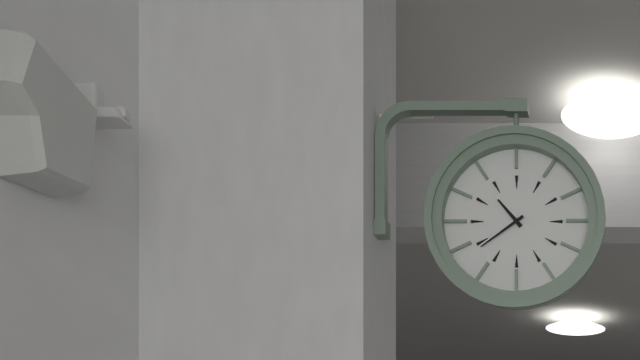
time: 10:39
